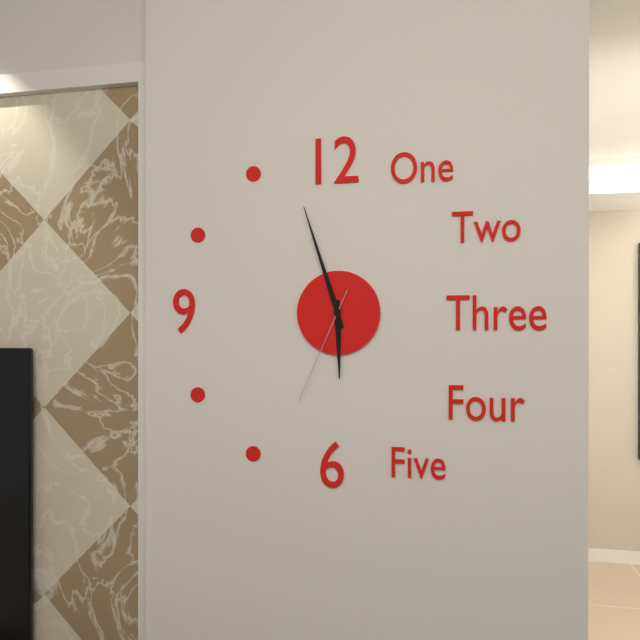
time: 5:57:34
